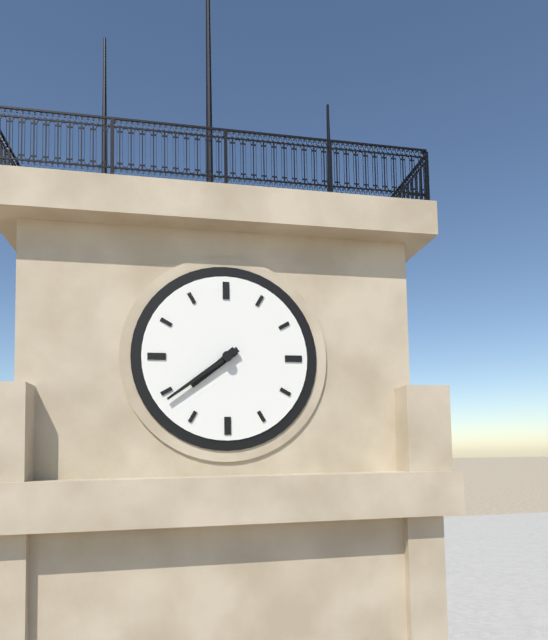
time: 7:39
